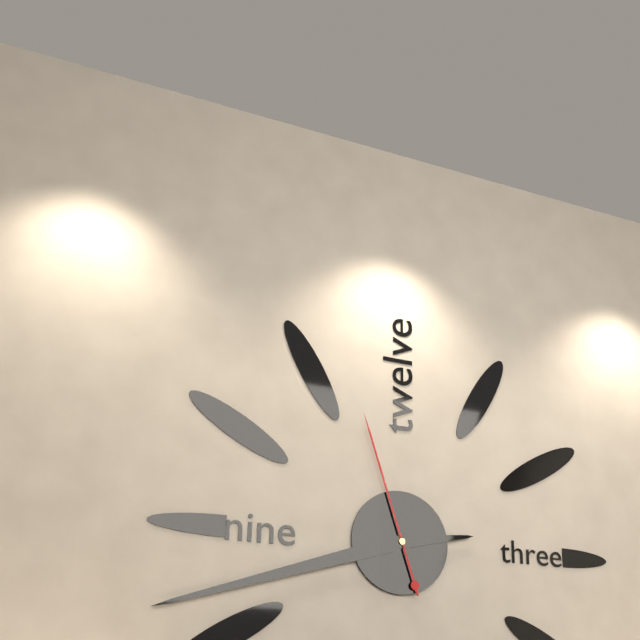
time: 2:42:57
